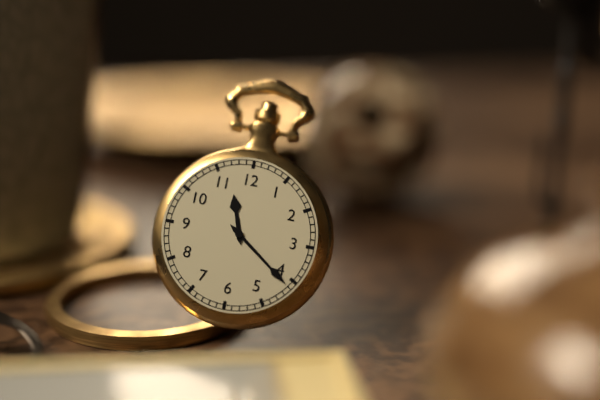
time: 11:21
